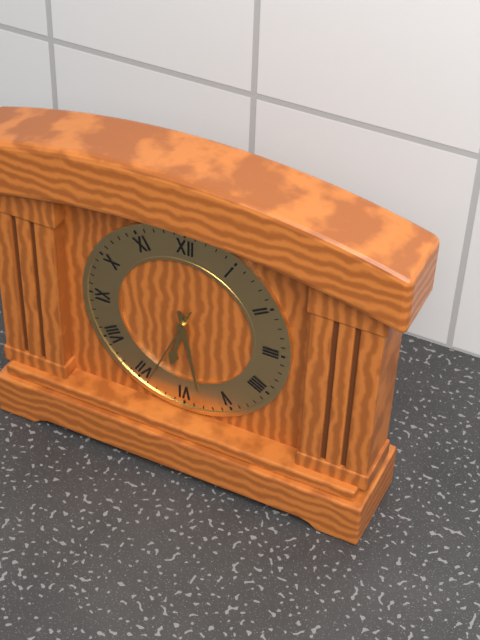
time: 6:28:34
